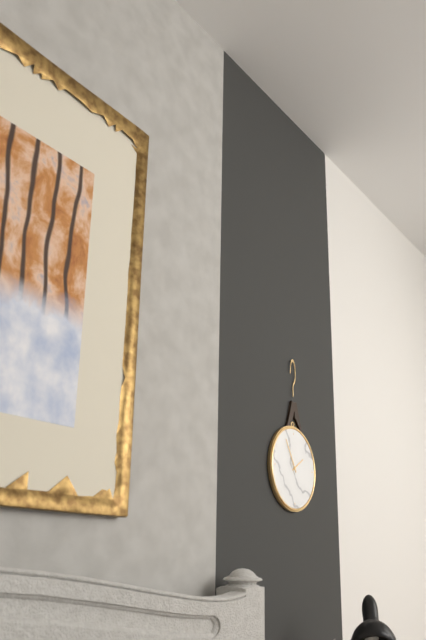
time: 1:55
